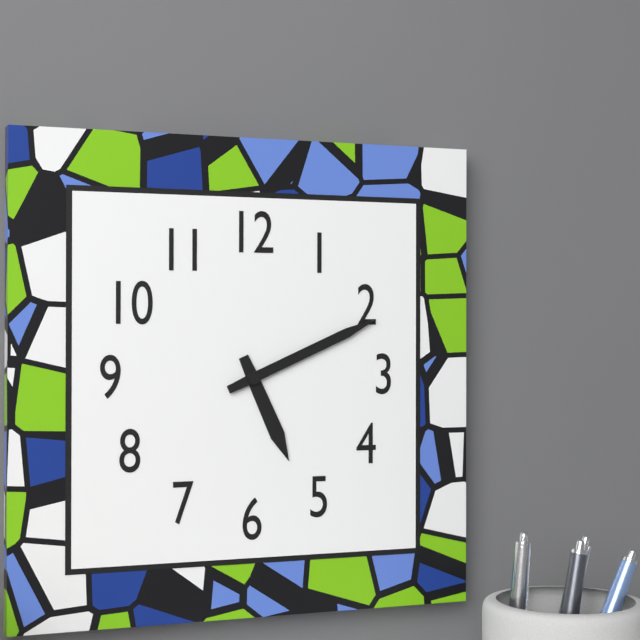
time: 5:11
